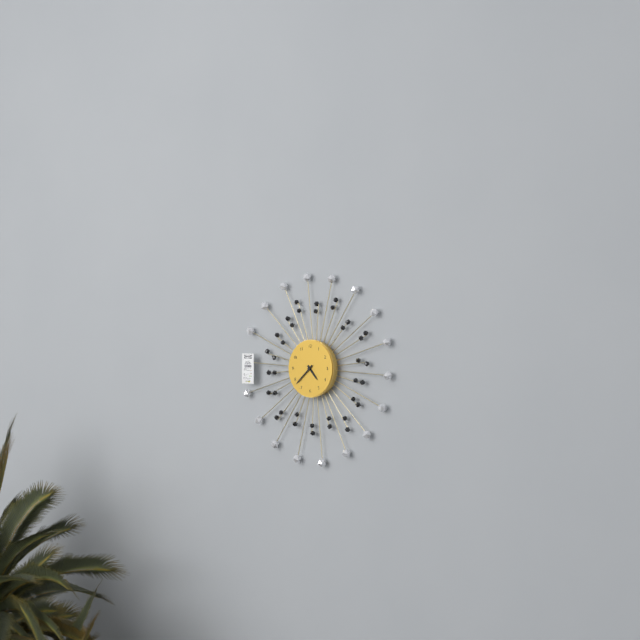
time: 4:38
